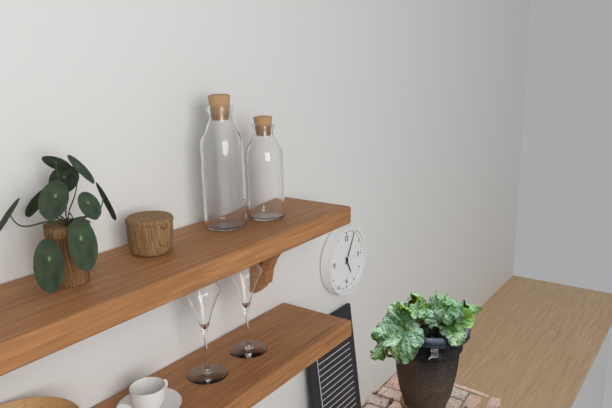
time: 5:05
